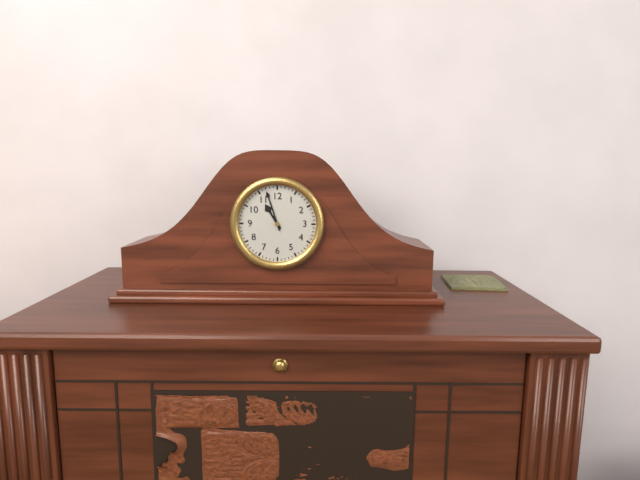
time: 10:57
